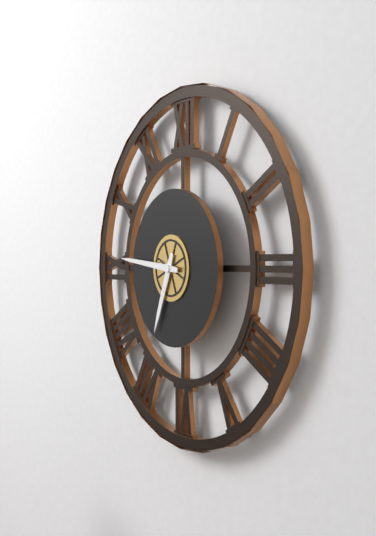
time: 6:46
